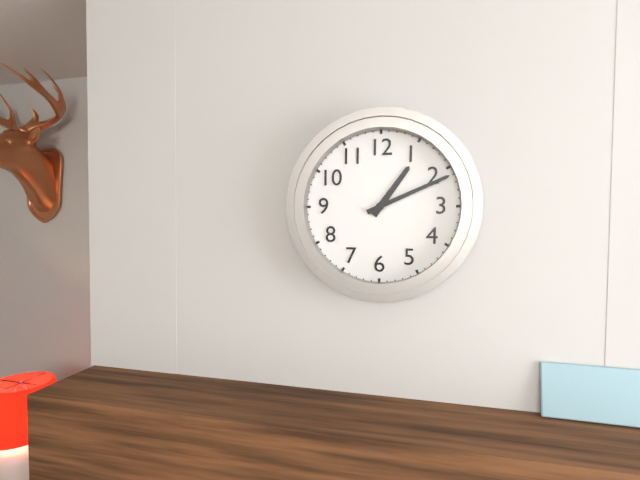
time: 1:11
